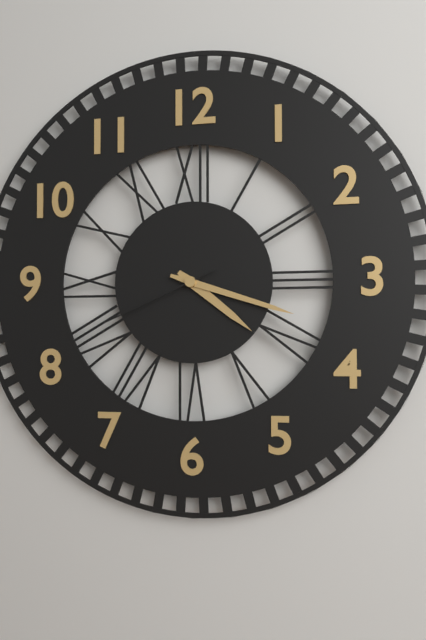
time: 4:18:41
